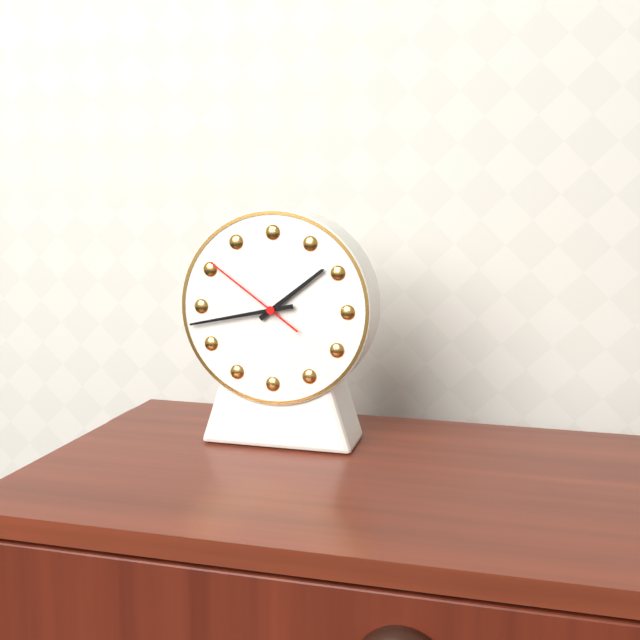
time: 1:43:51
